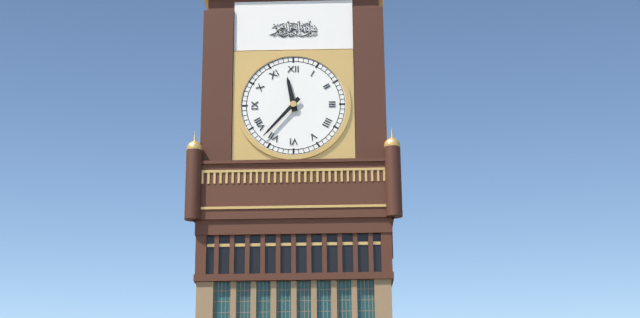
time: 11:37
